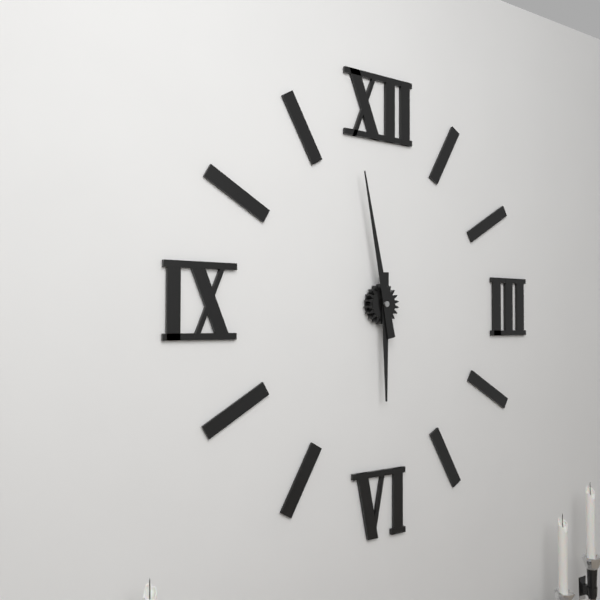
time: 5:58
